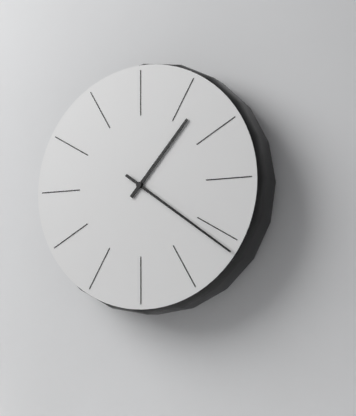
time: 1:21
